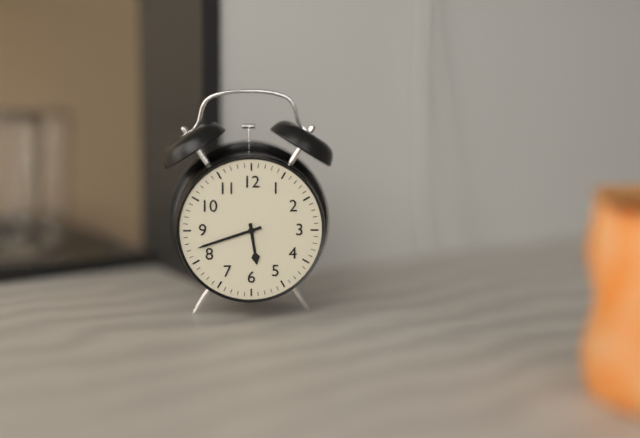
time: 5:42
